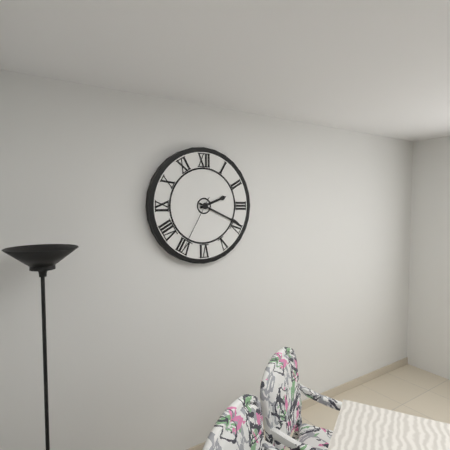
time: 2:19:35
